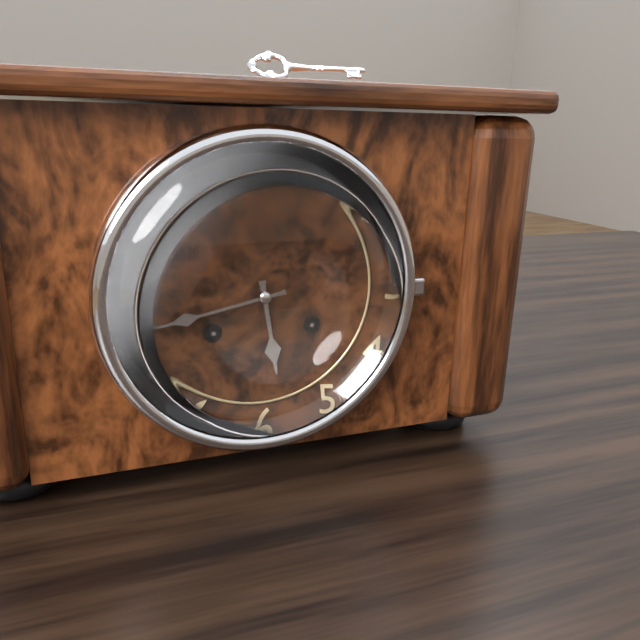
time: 5:43
